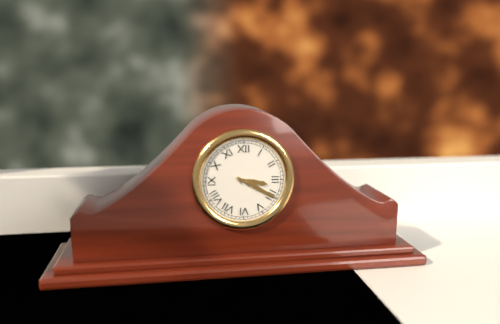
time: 3:20
